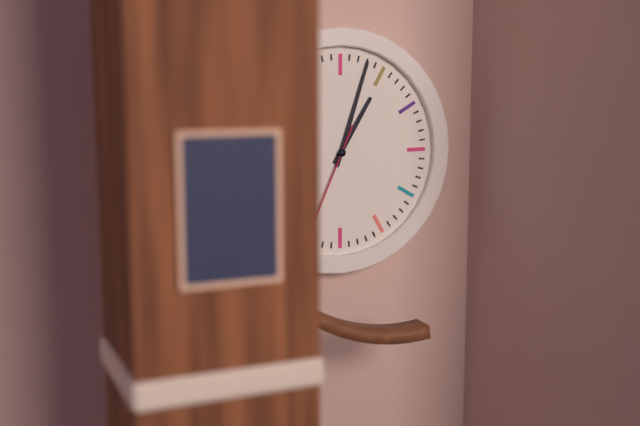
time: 1:03:34
